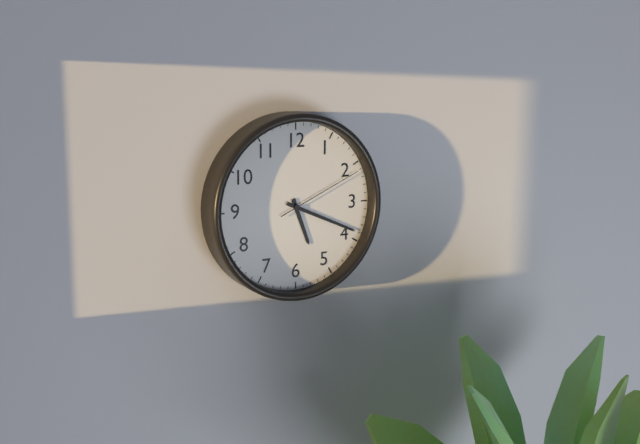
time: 5:19:11
